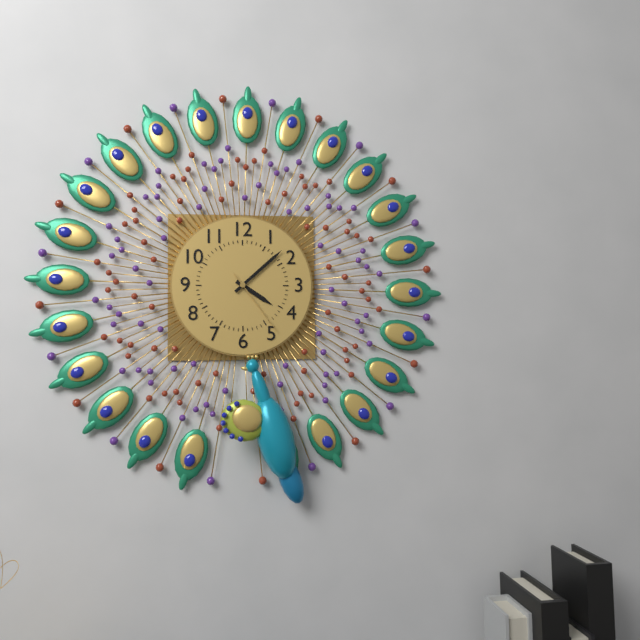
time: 4:08:24
